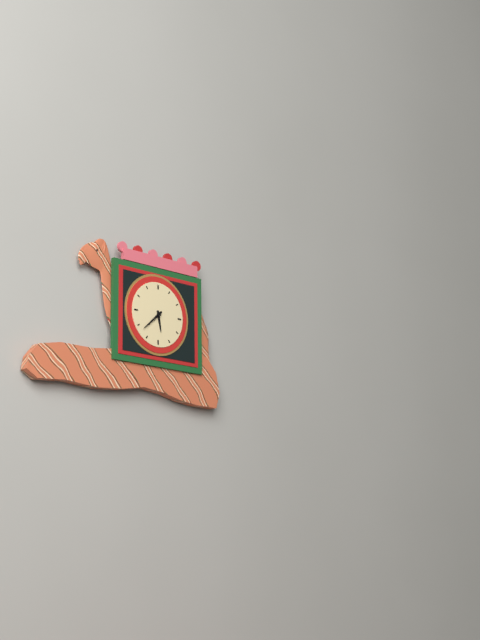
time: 5:38
